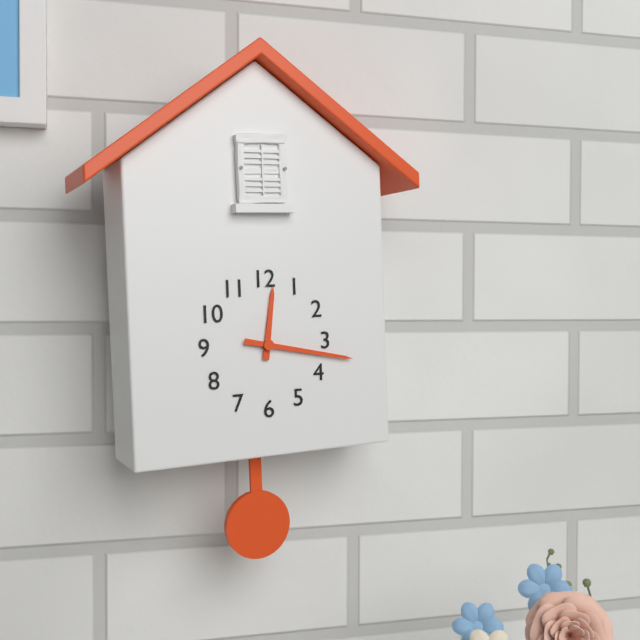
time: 12:17
